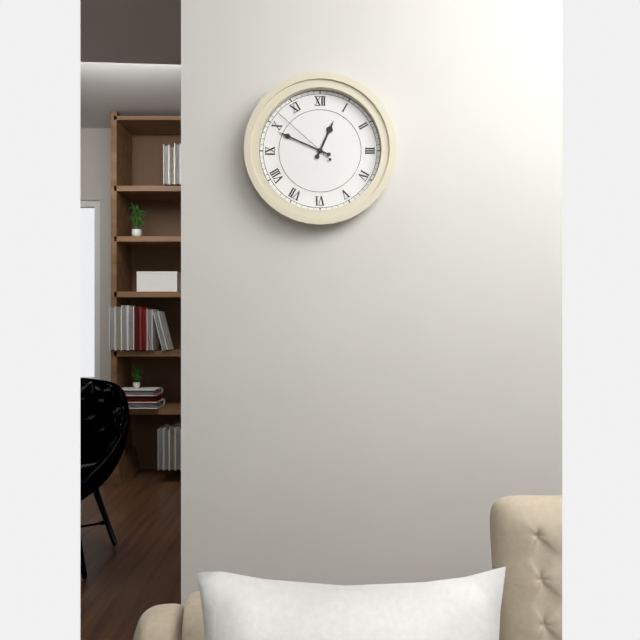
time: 12:49:52
